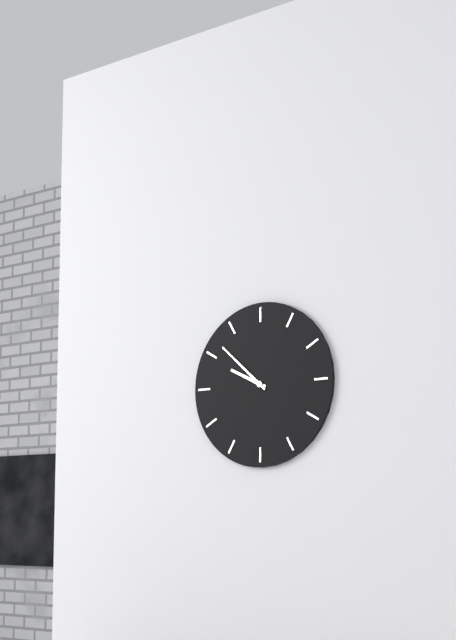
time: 9:52
